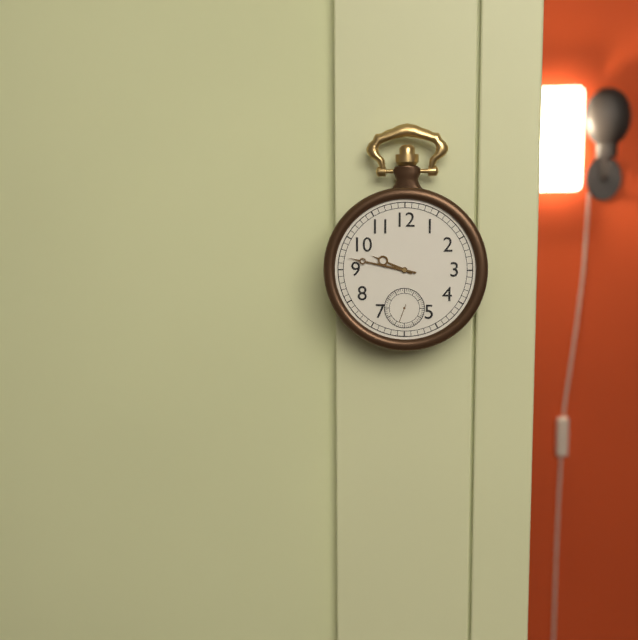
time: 9:47
